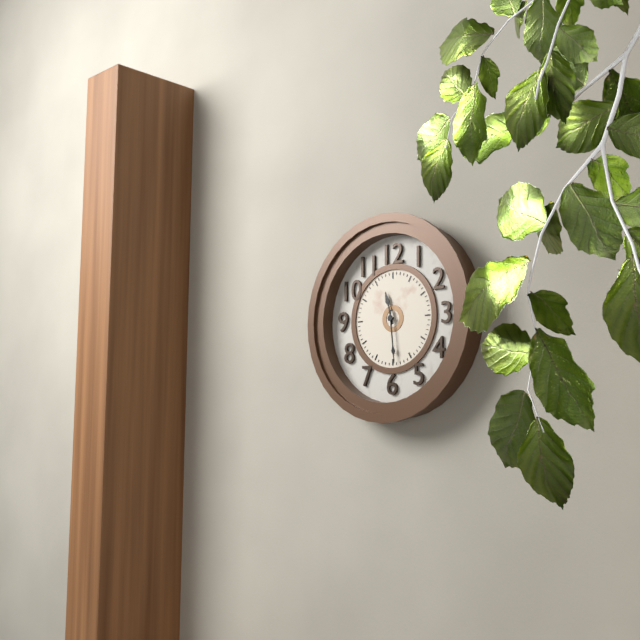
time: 11:29
